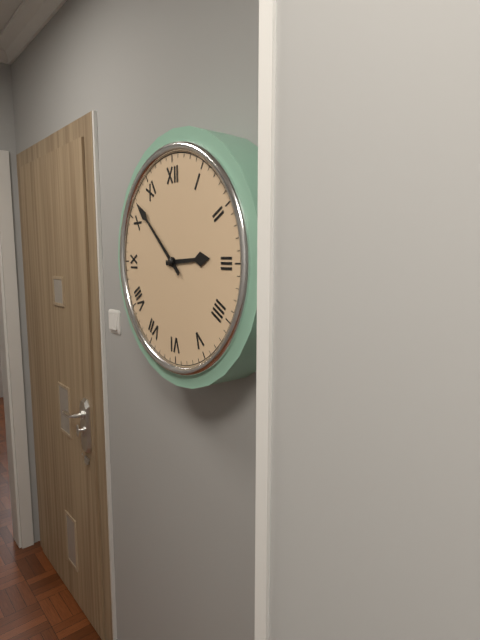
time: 2:52
